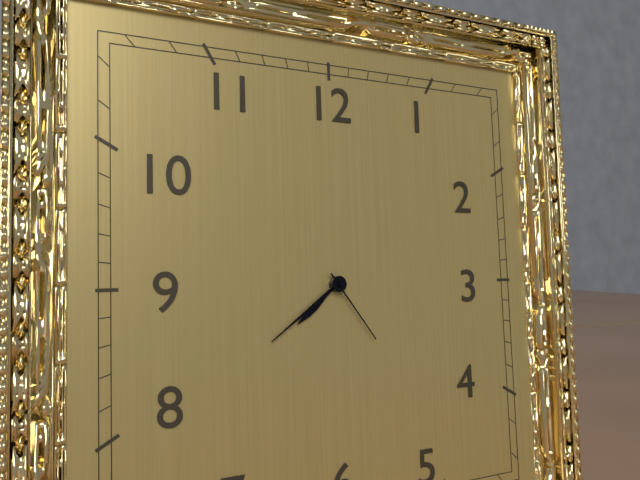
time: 7:39:24
